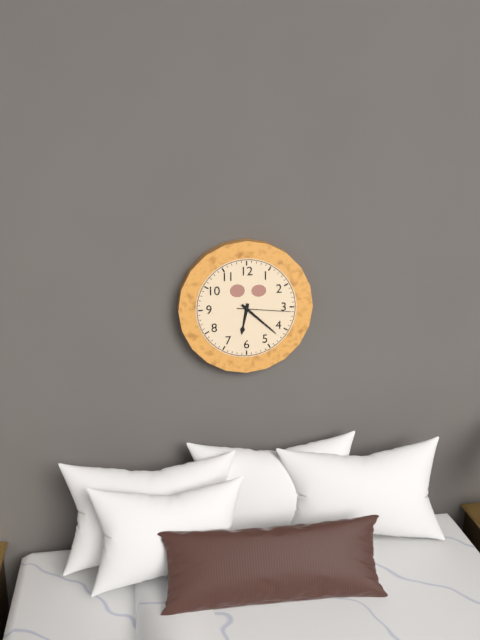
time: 6:22:16
